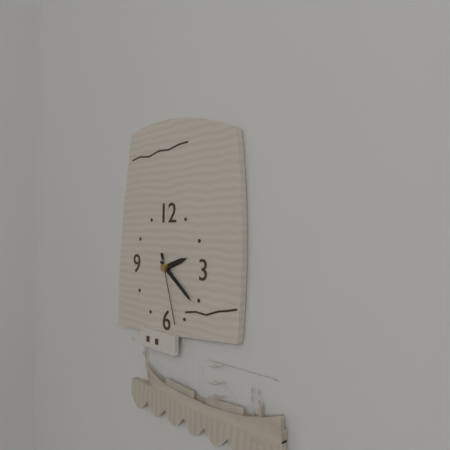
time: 2:21:27
